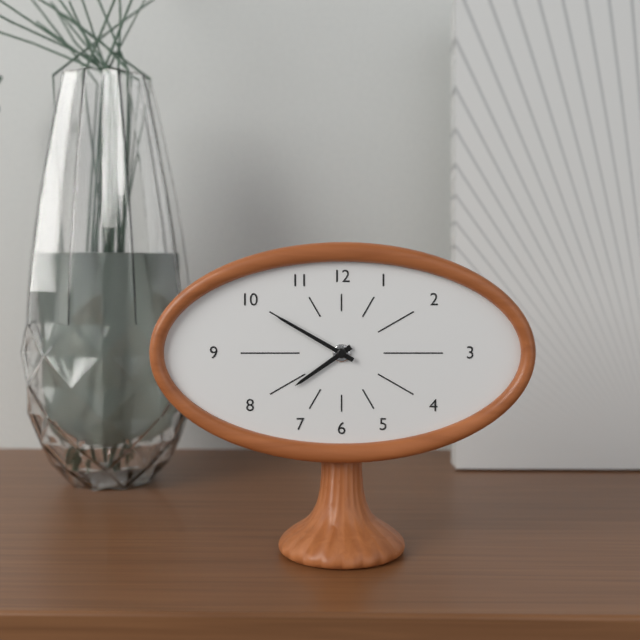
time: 7:50
